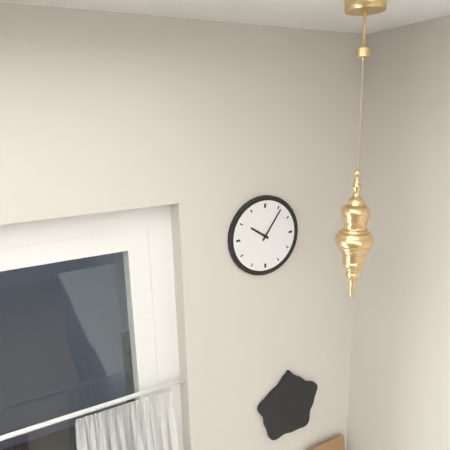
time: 10:06
